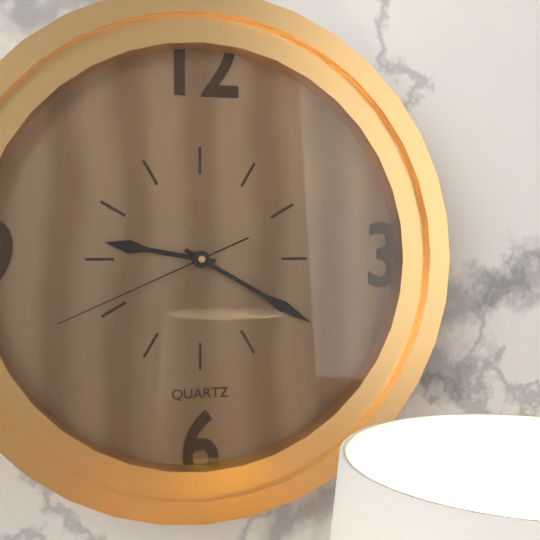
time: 9:20:41
